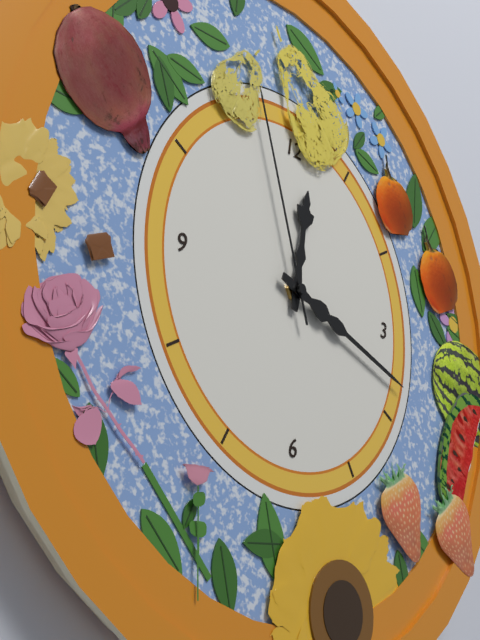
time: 12:18:57
